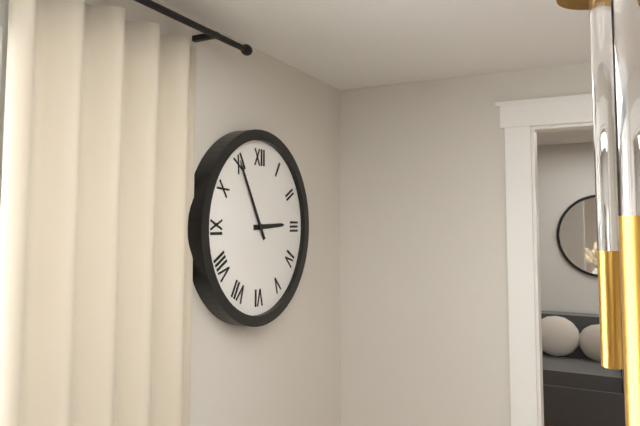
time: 2:55
